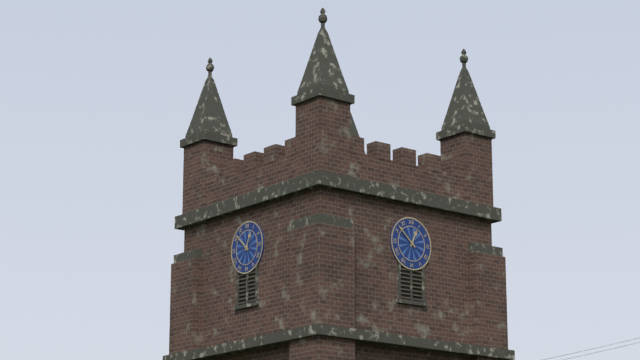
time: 12:52
